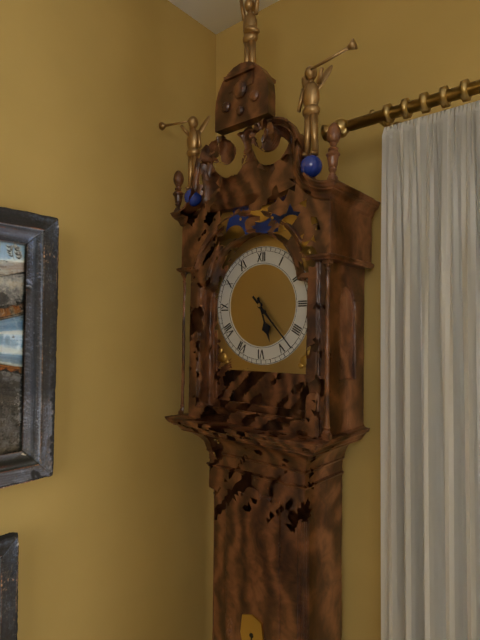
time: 5:23
